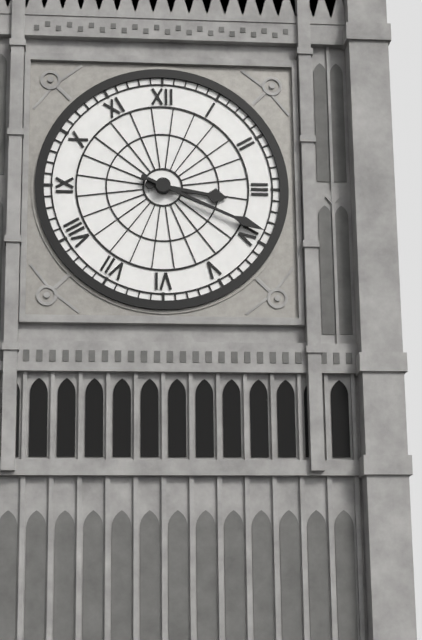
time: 3:19
